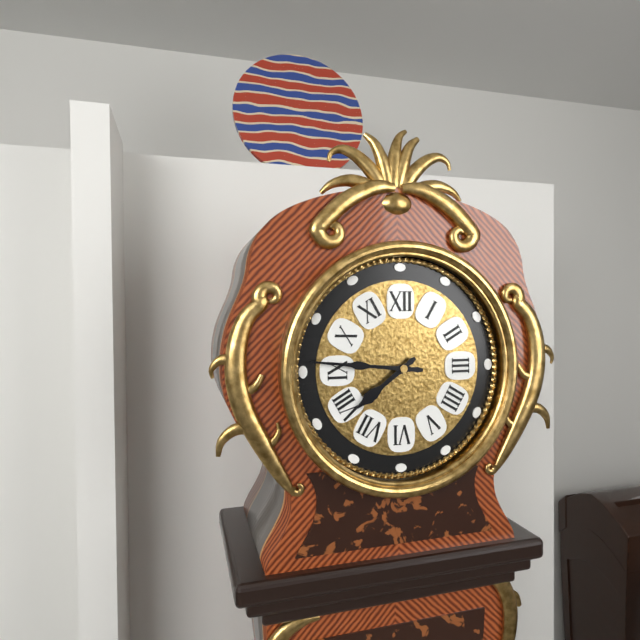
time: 7:46
